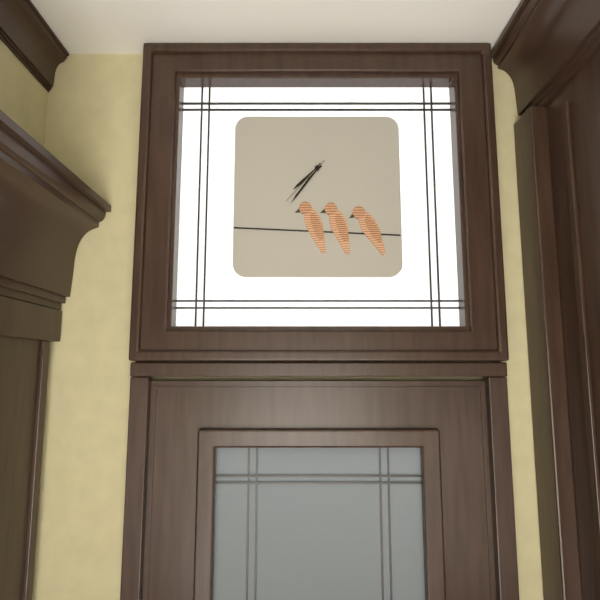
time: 7:36:37
